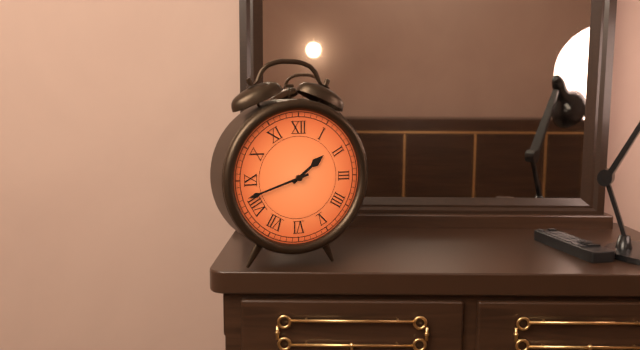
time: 1:42
